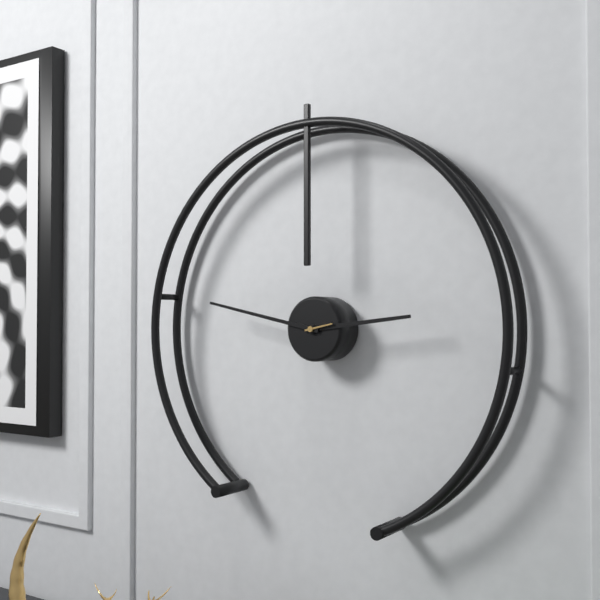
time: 2:47
